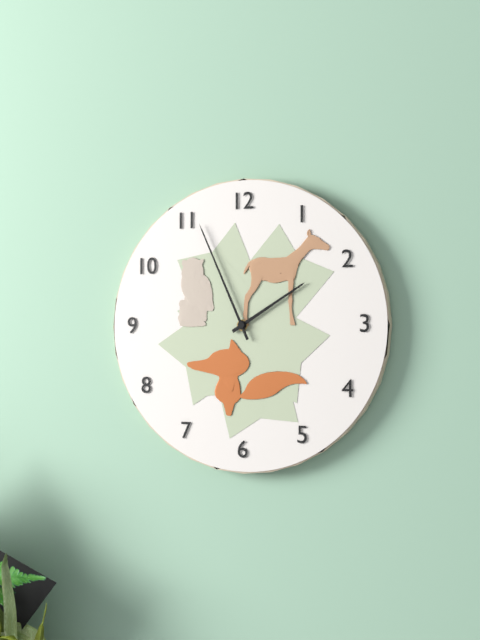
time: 1:56
